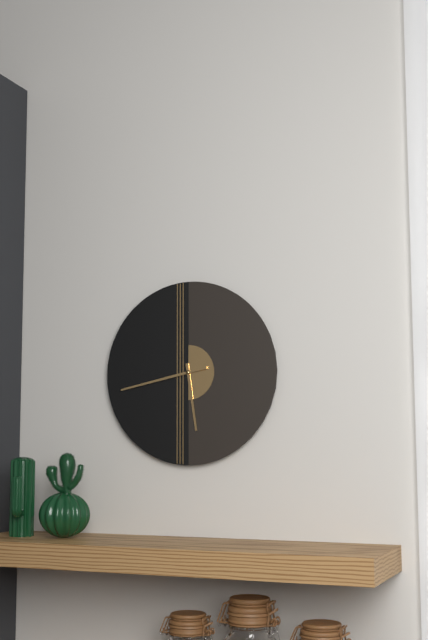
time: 5:43
